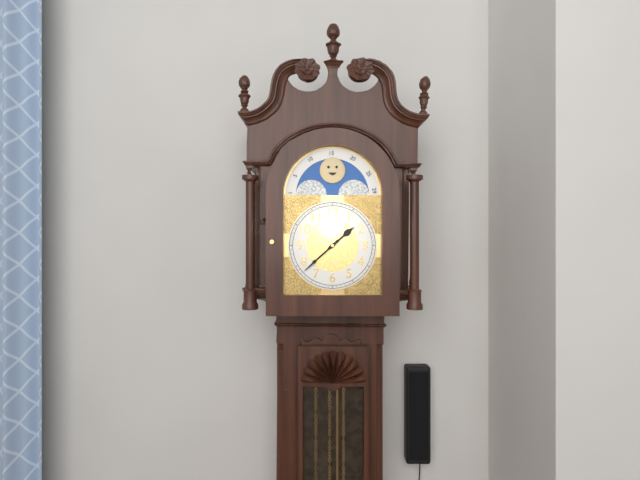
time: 1:38
